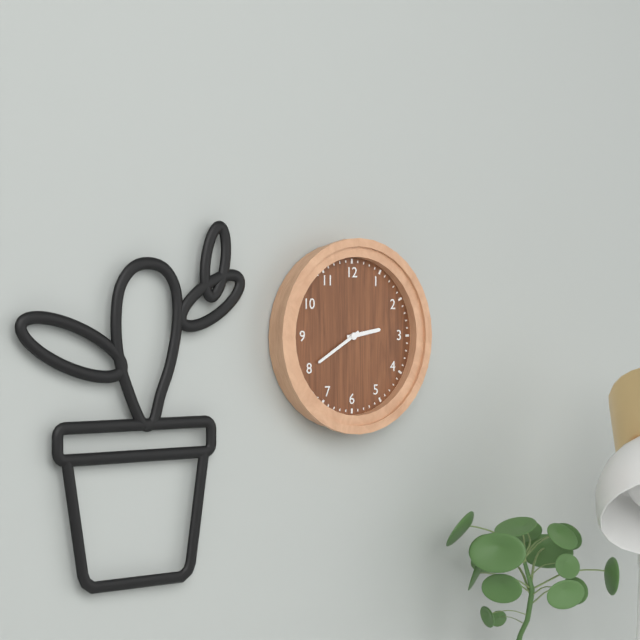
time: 2:40
